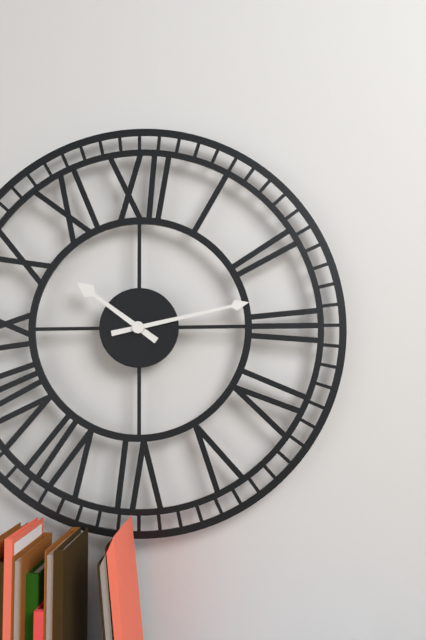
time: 10:13
